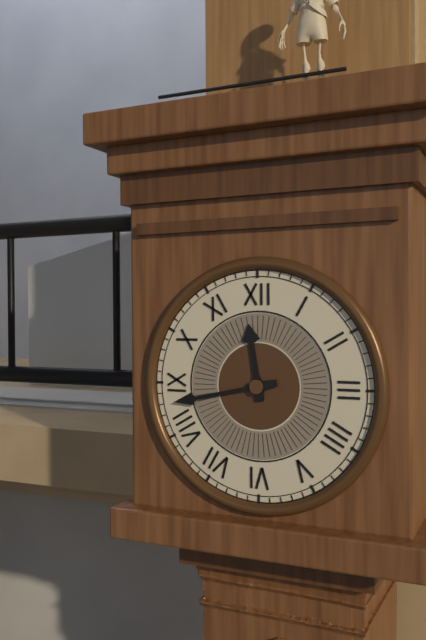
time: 11:43
